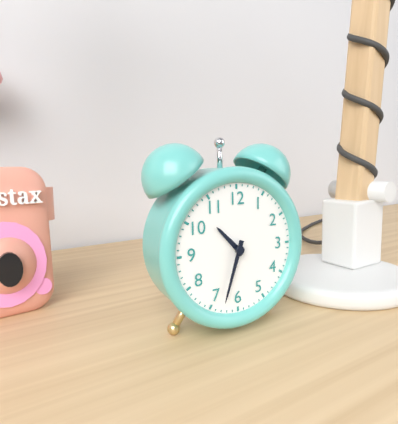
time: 10:33
